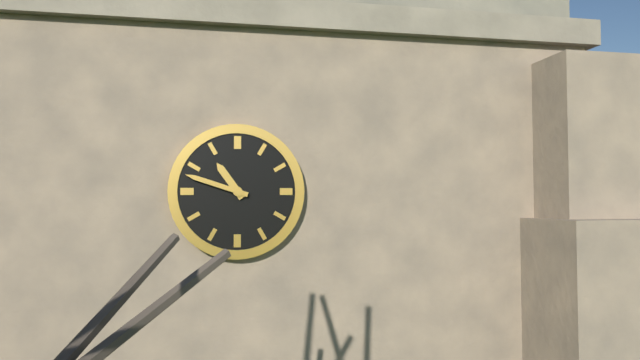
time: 10:48
